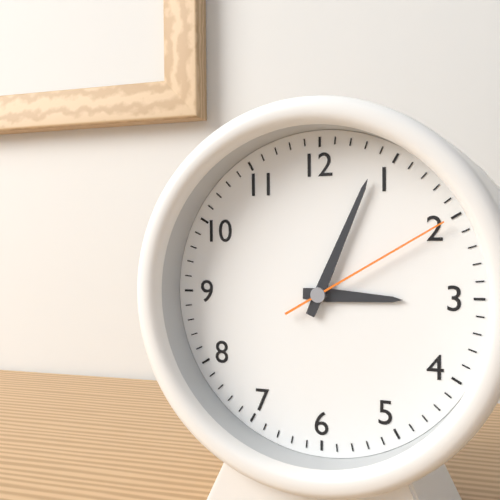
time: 3:04:10
